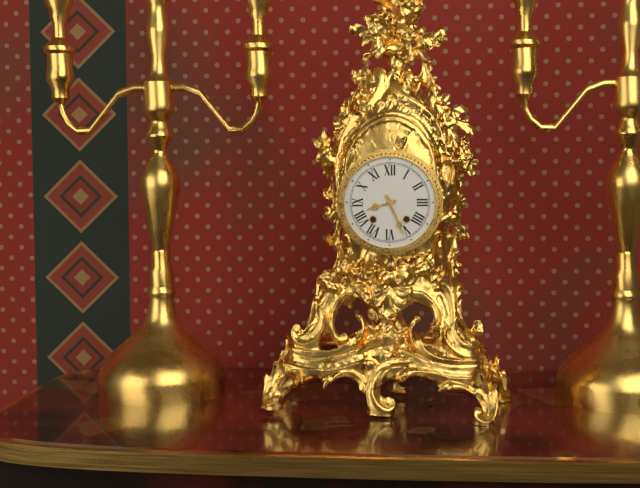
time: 8:26
